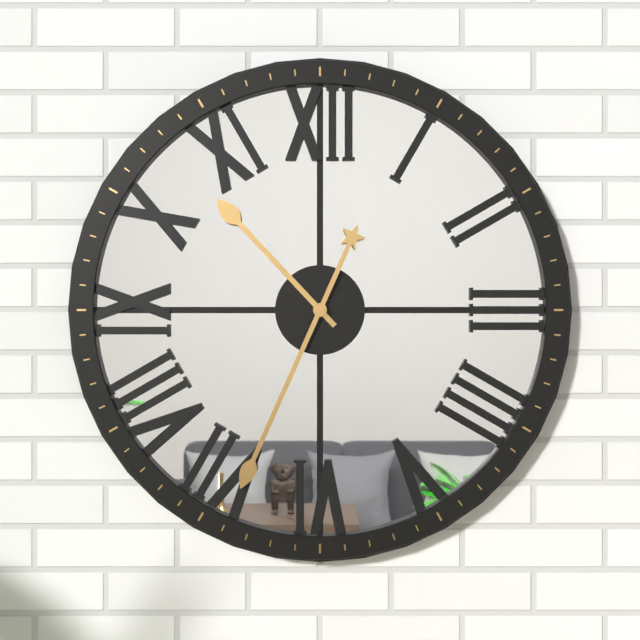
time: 10:34
